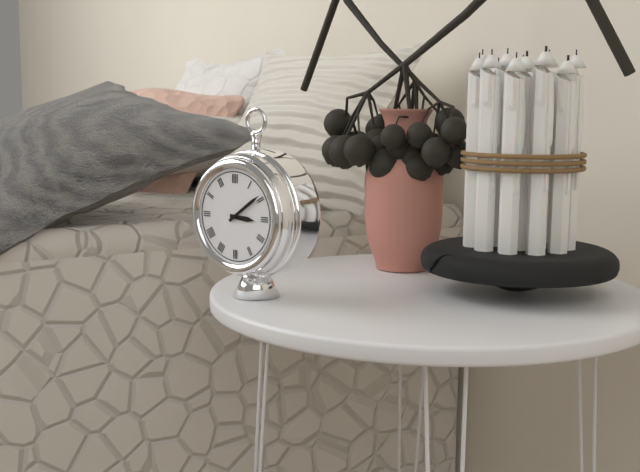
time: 3:09
